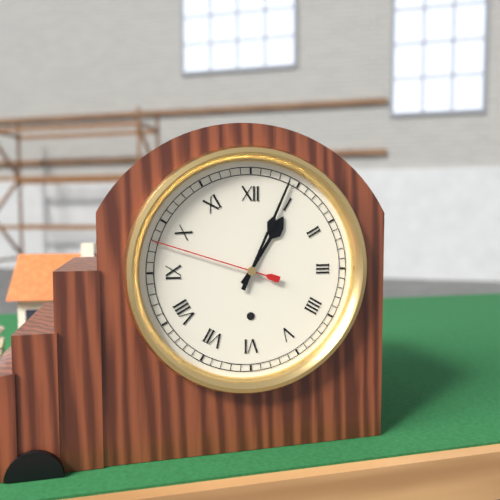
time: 1:04:48
